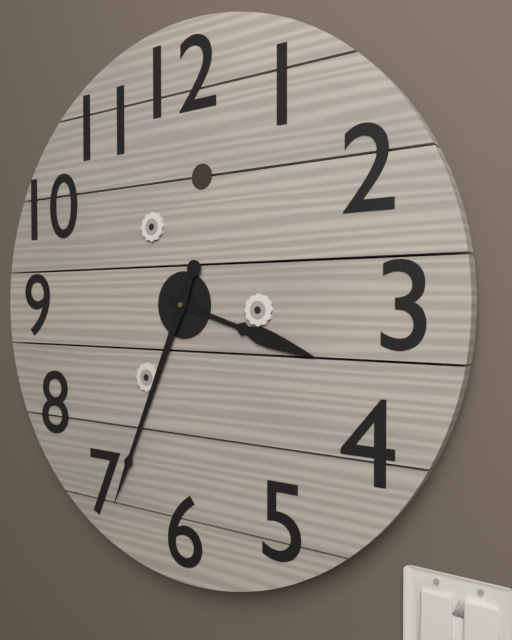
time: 3:34
